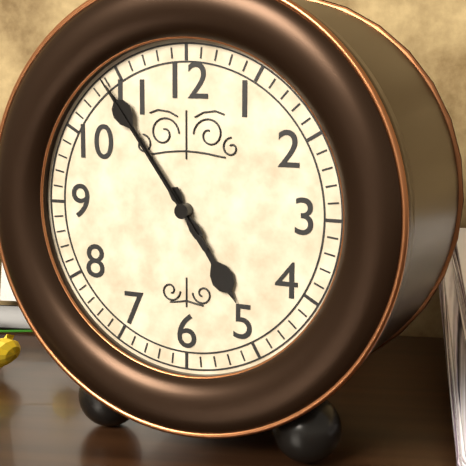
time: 4:54:54
